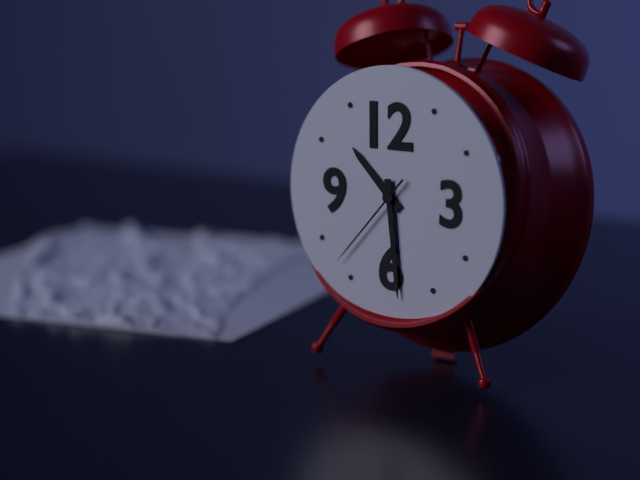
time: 10:29:37
